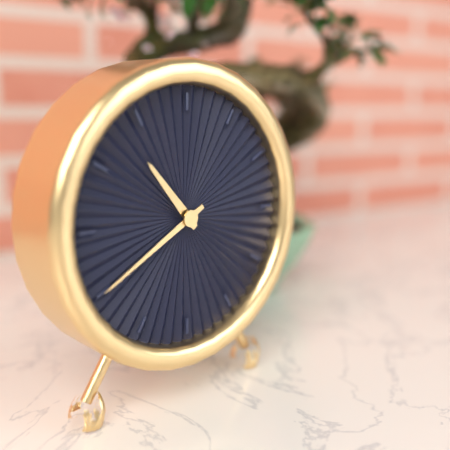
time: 10:40
